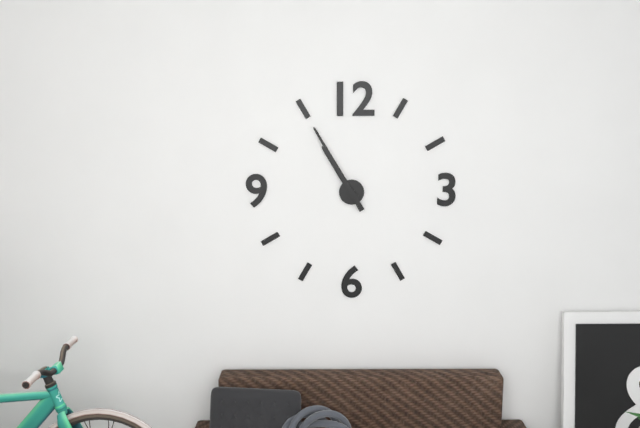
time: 10:55
